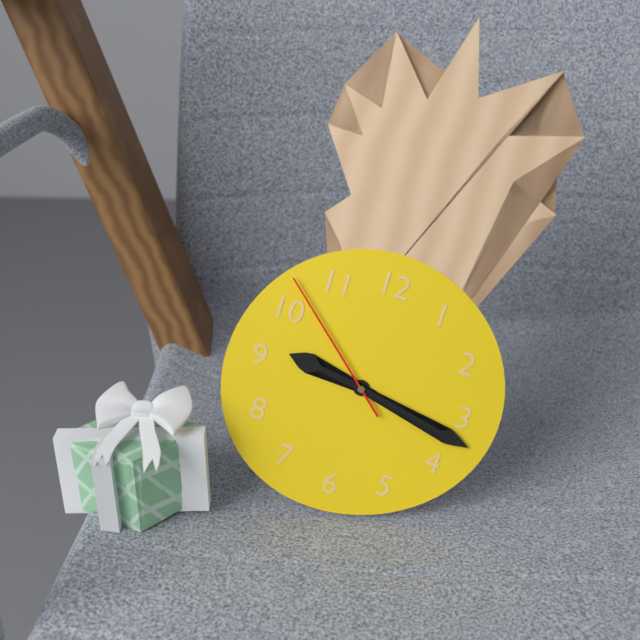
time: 9:17:52
